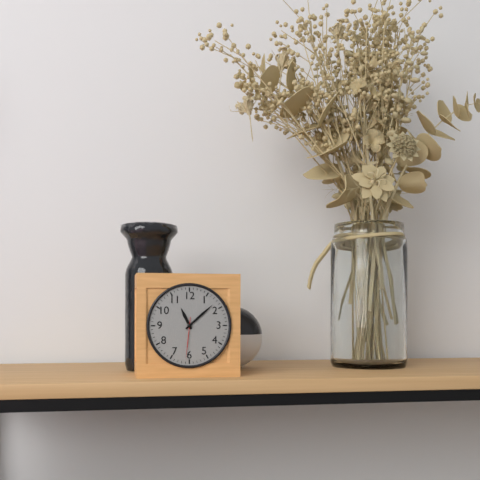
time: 11:08
